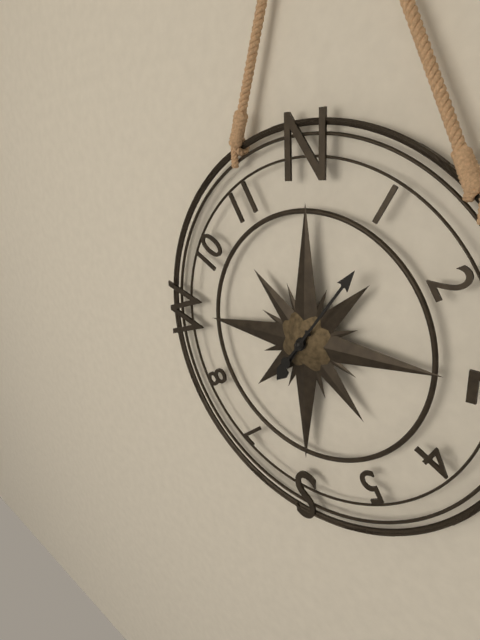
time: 7:06
